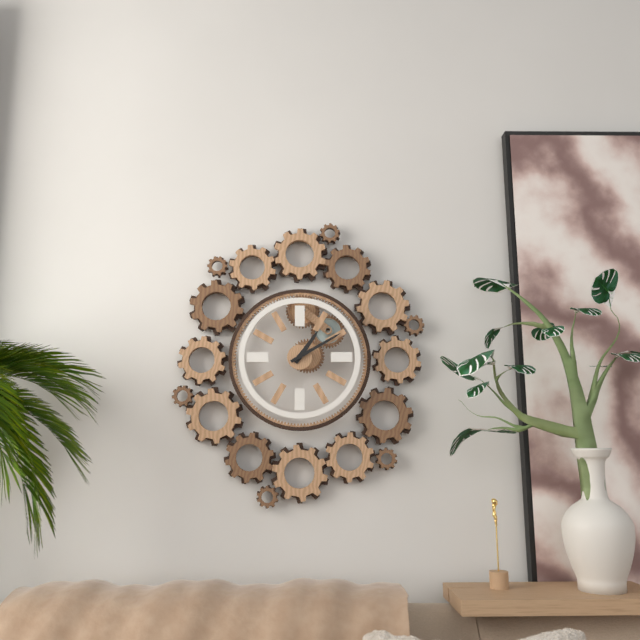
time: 1:10
